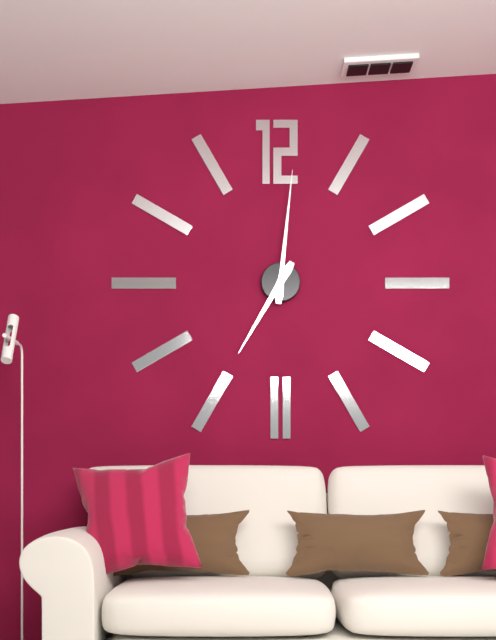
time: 7:01
